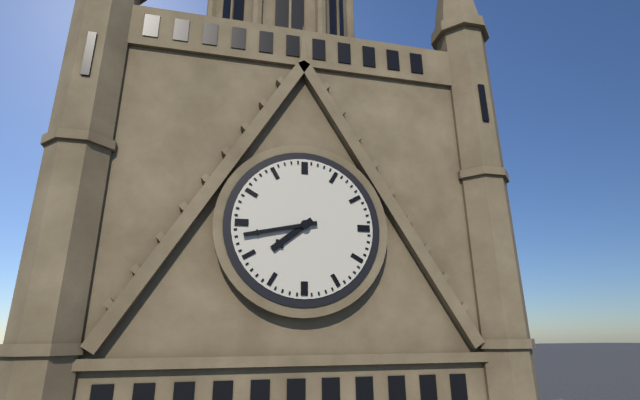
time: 7:43
